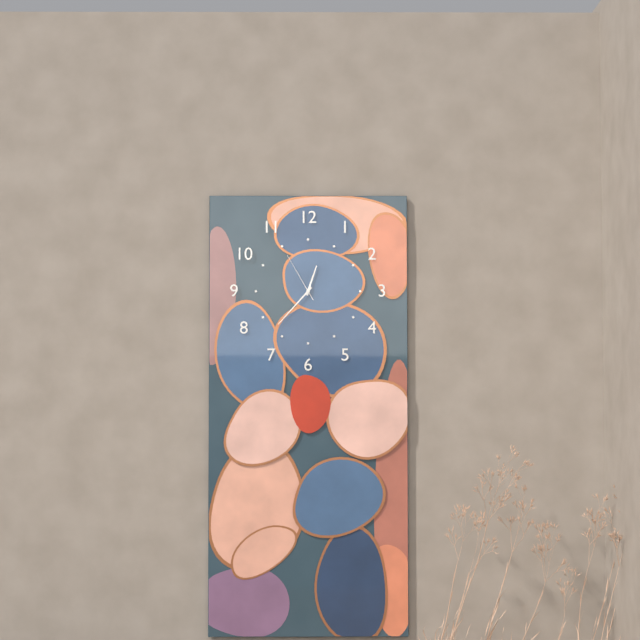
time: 12:37:55
